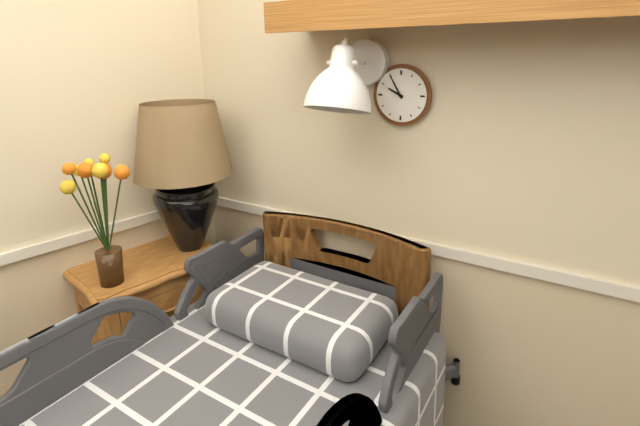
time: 9:55
